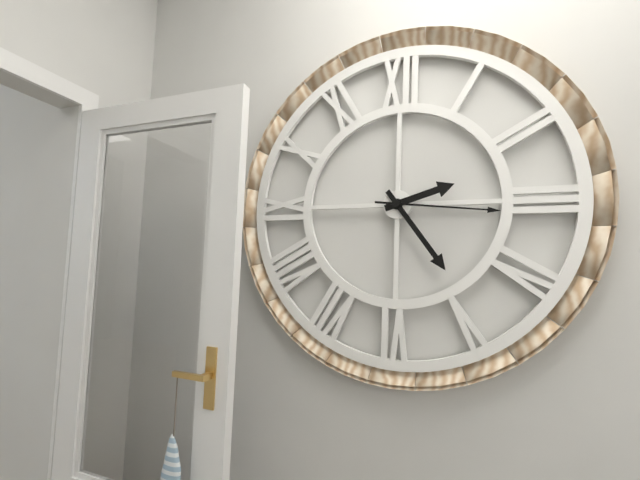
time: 2:24:16
